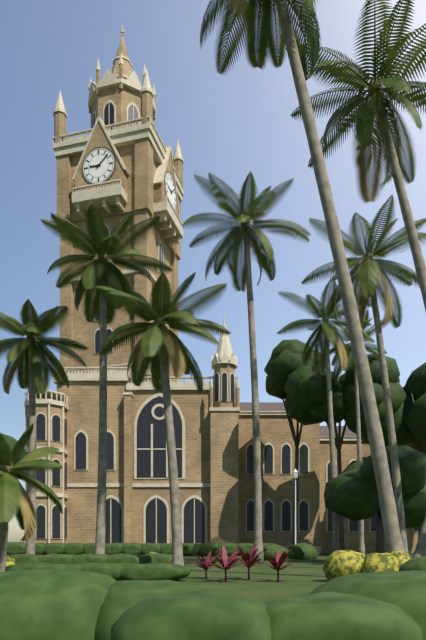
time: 9:08
